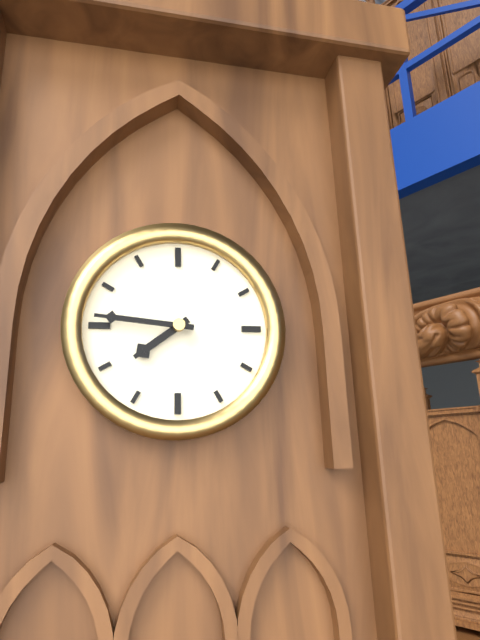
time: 7:46
